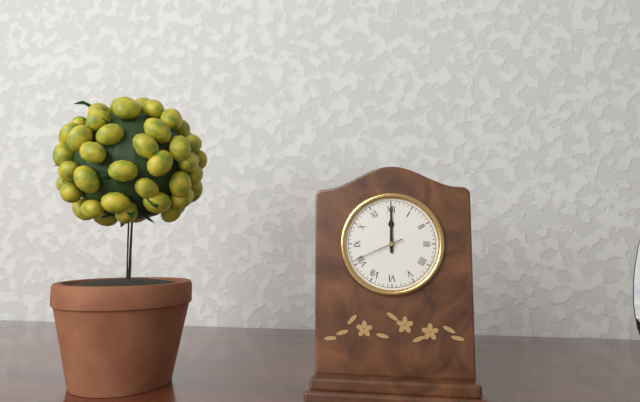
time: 12:00:41
